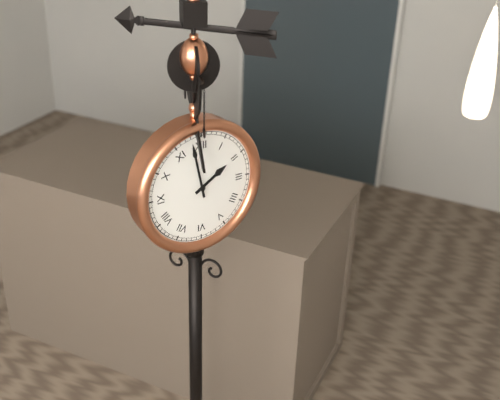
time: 1:58
